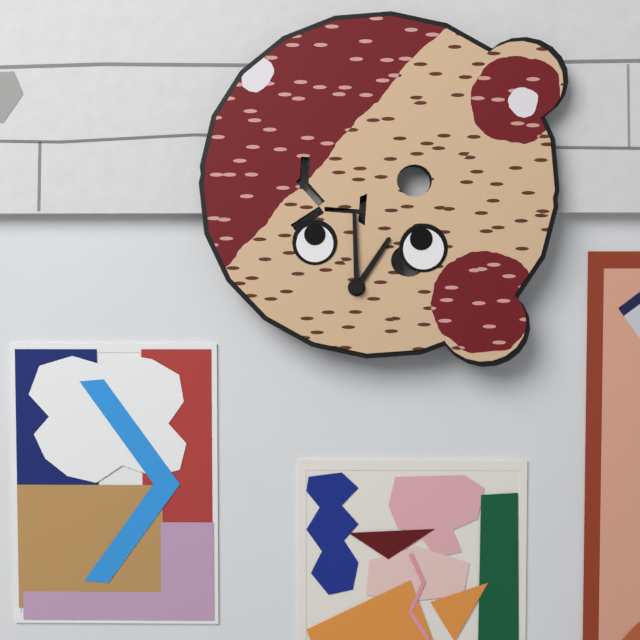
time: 12:59
